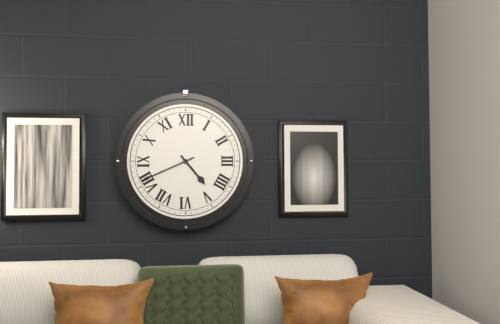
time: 4:41
